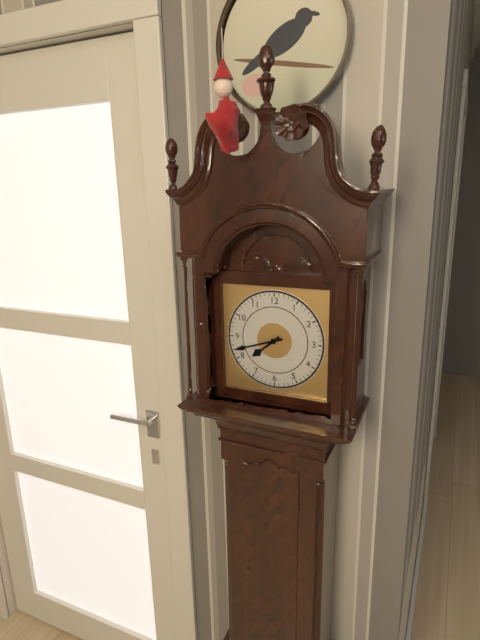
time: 7:42
